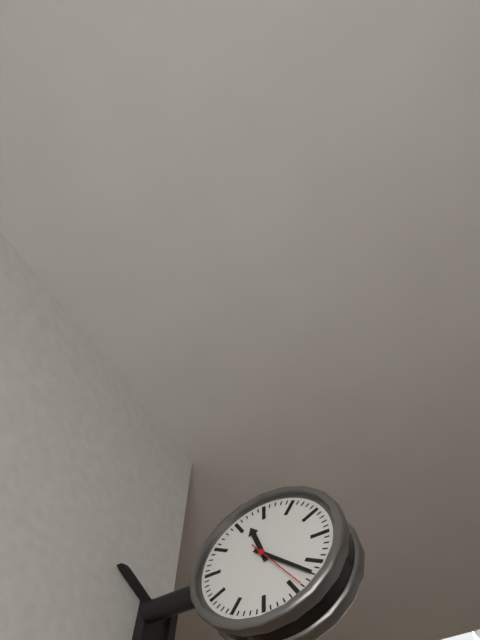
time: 11:22:24
